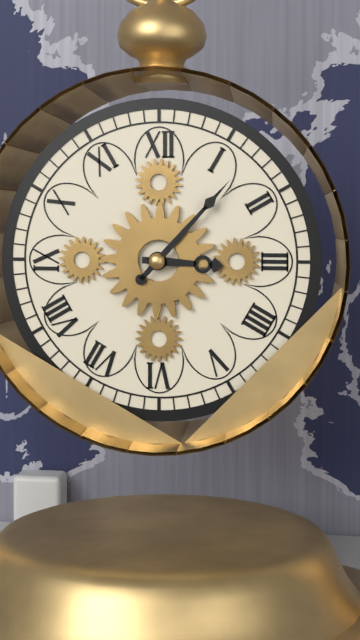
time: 3:07
